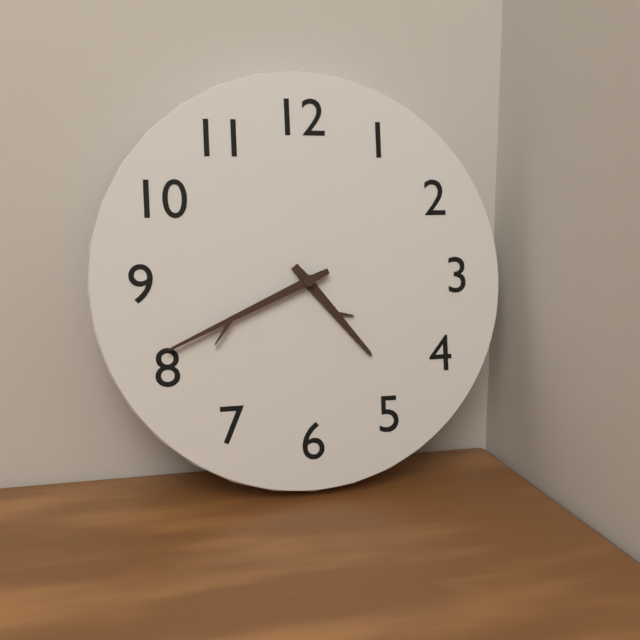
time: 4:41
